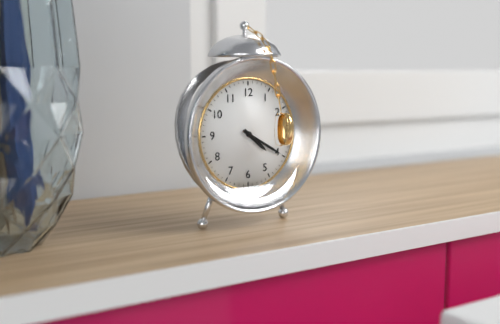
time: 4:20
